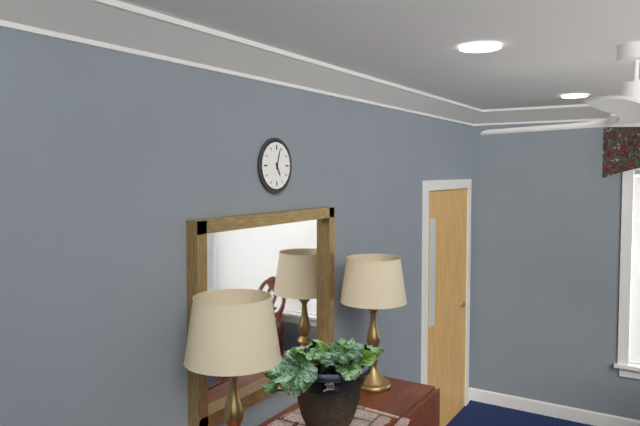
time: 5:03
